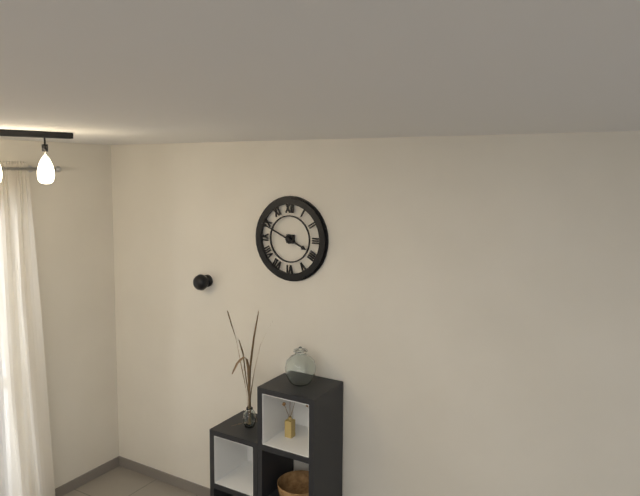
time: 3:49
